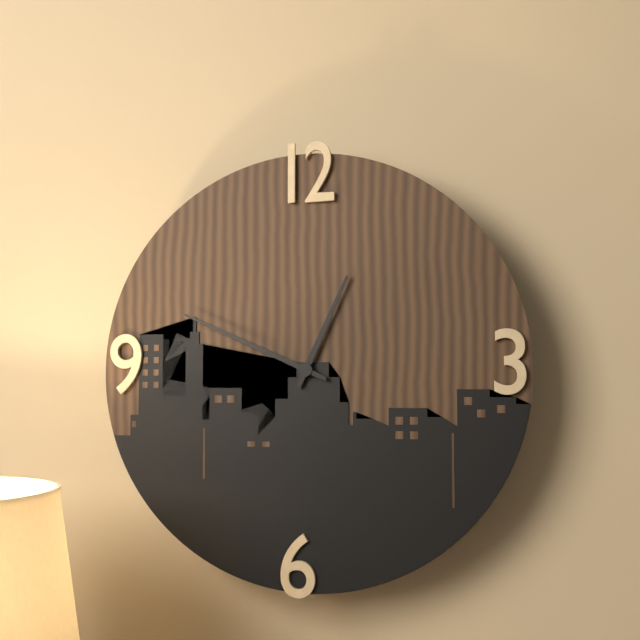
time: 12:49
